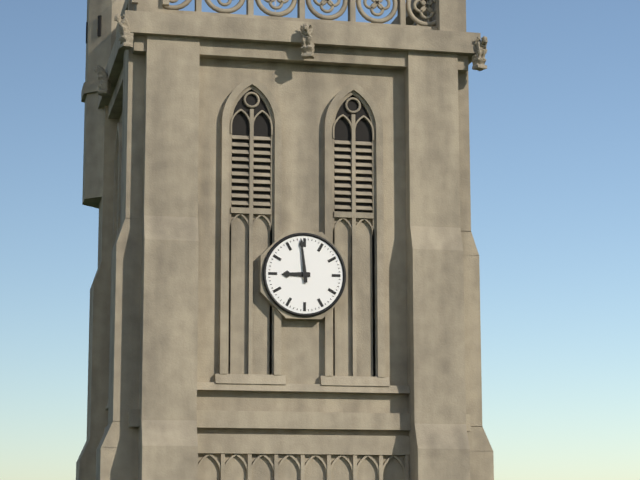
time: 8:59
